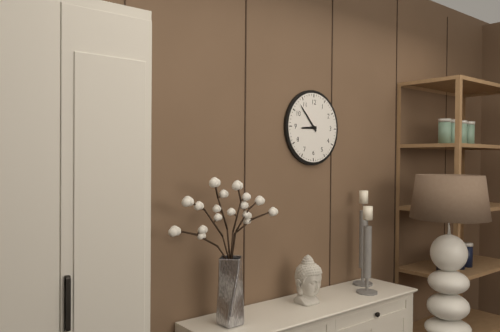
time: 8:53
